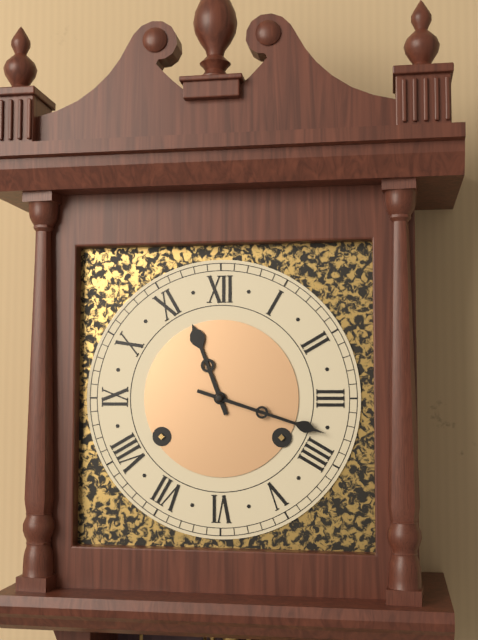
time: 11:18
